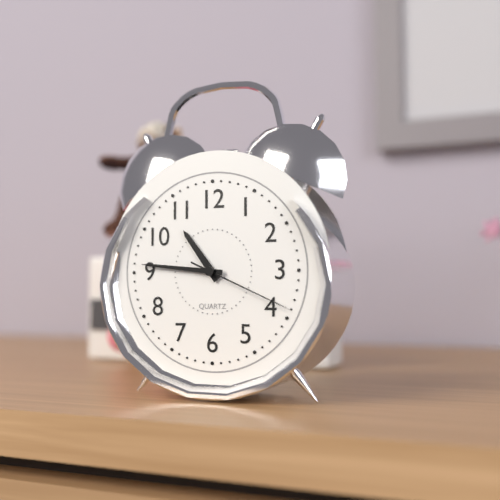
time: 10:46:19
